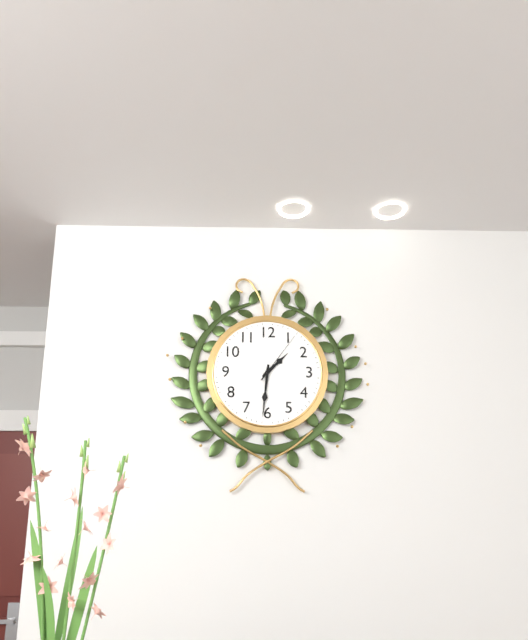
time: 1:31:06
